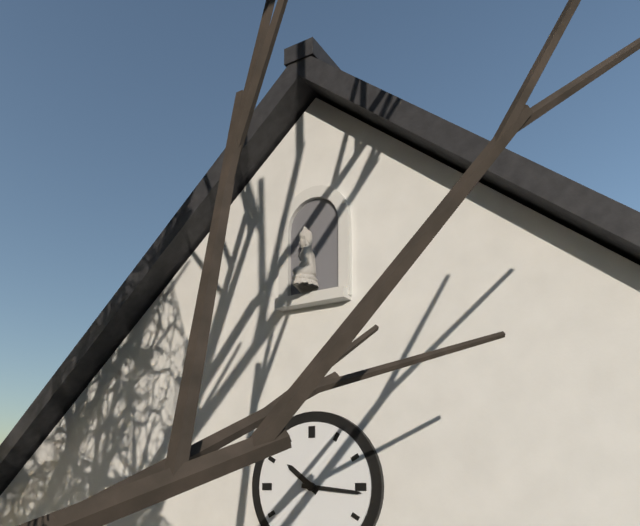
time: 10:16
